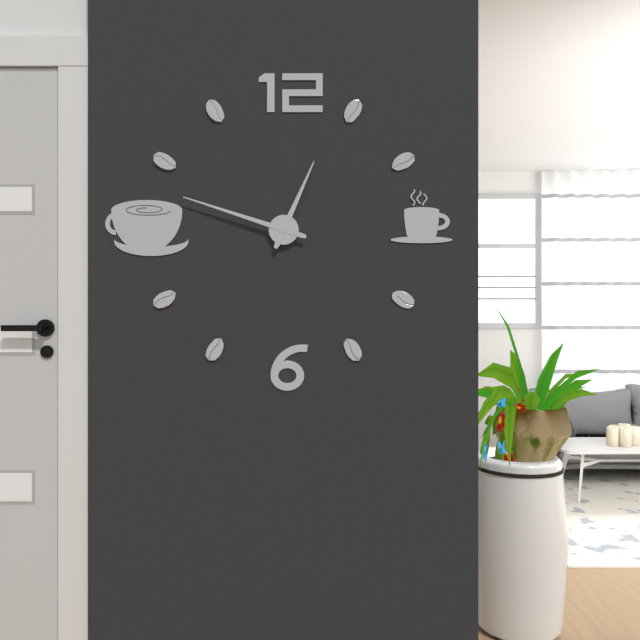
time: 12:48
